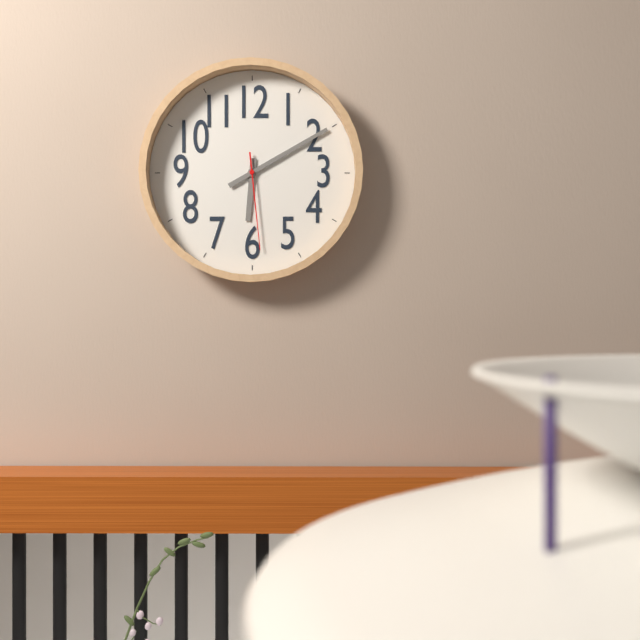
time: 6:10:29
